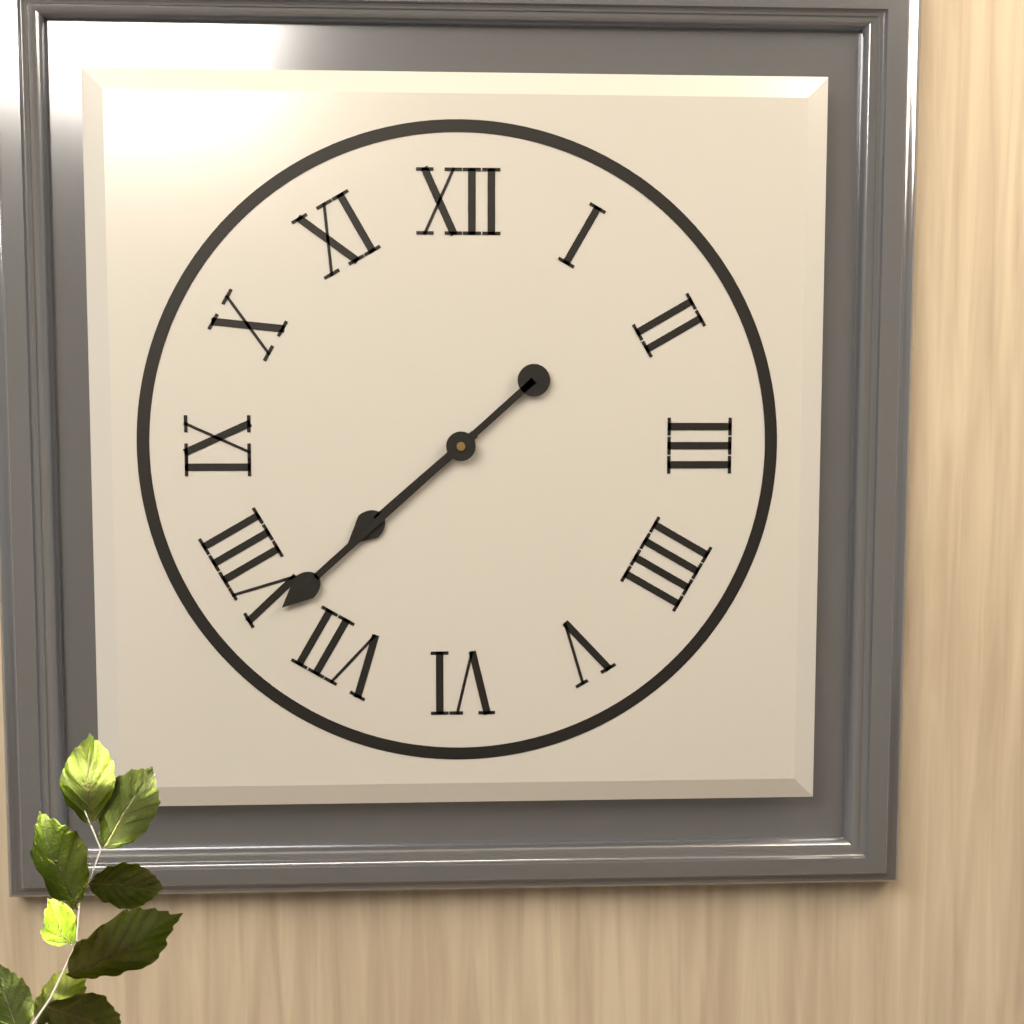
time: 7:38
